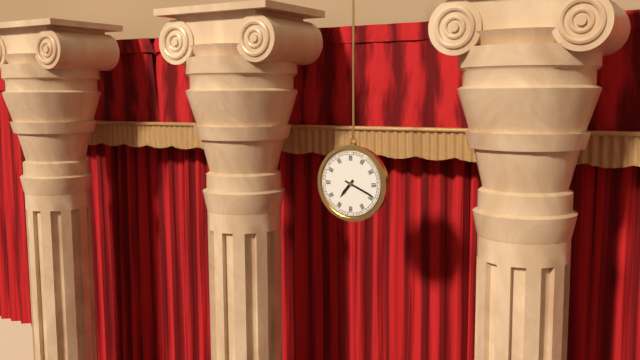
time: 7:19
